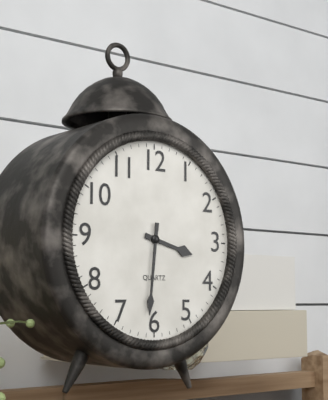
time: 3:31
